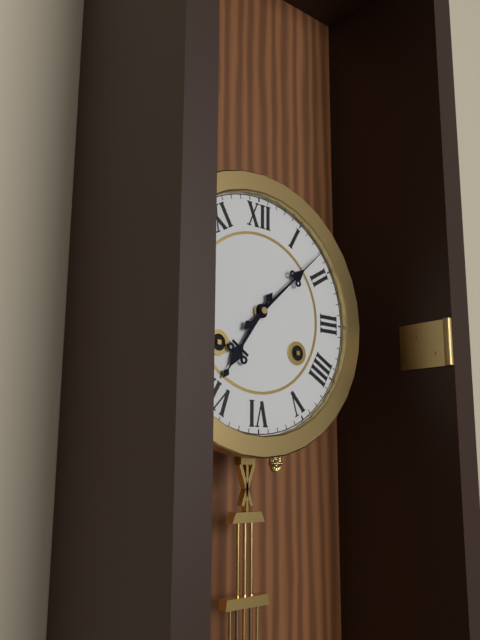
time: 7:08
